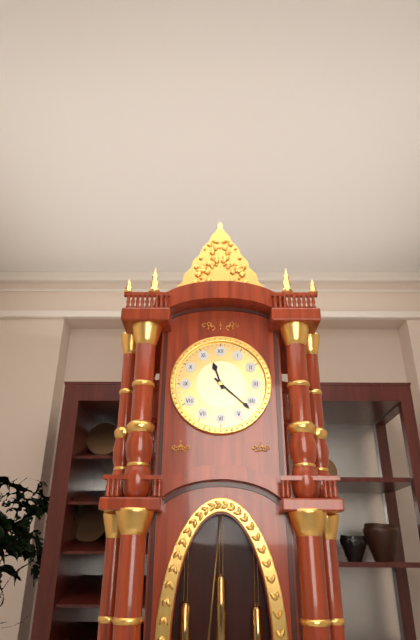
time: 11:22
